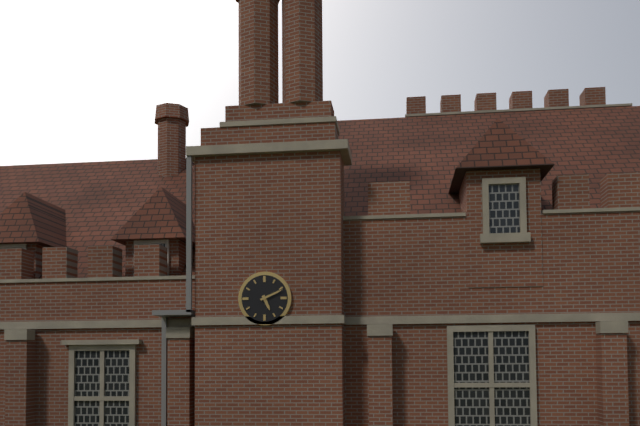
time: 5:11
